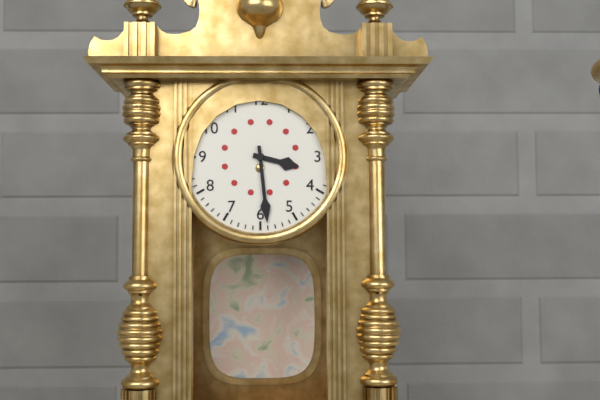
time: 3:29
